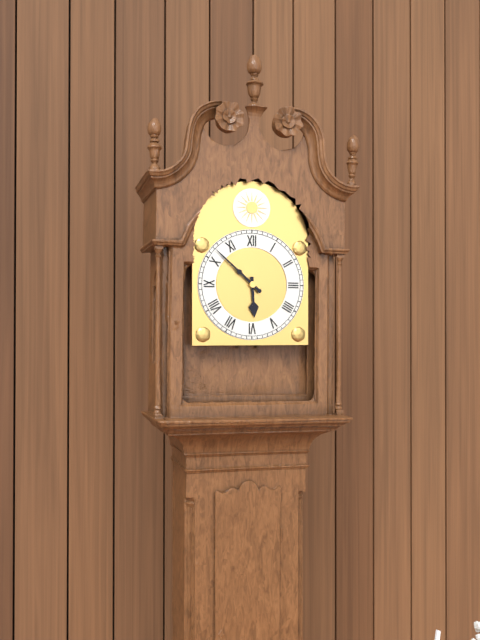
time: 5:52
